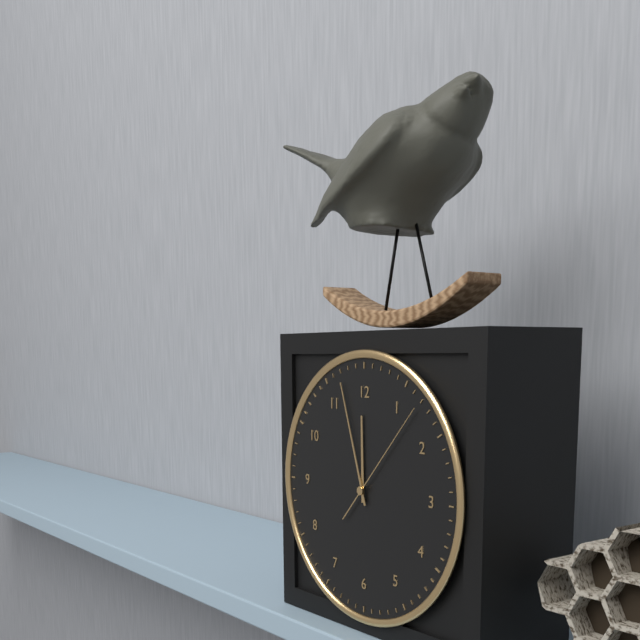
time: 11:57:07
